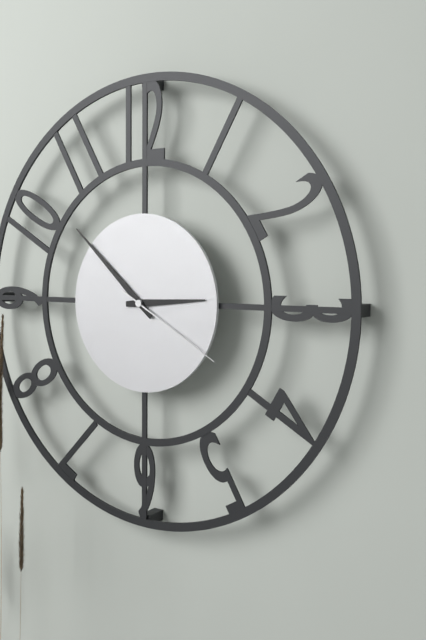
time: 2:52:20
